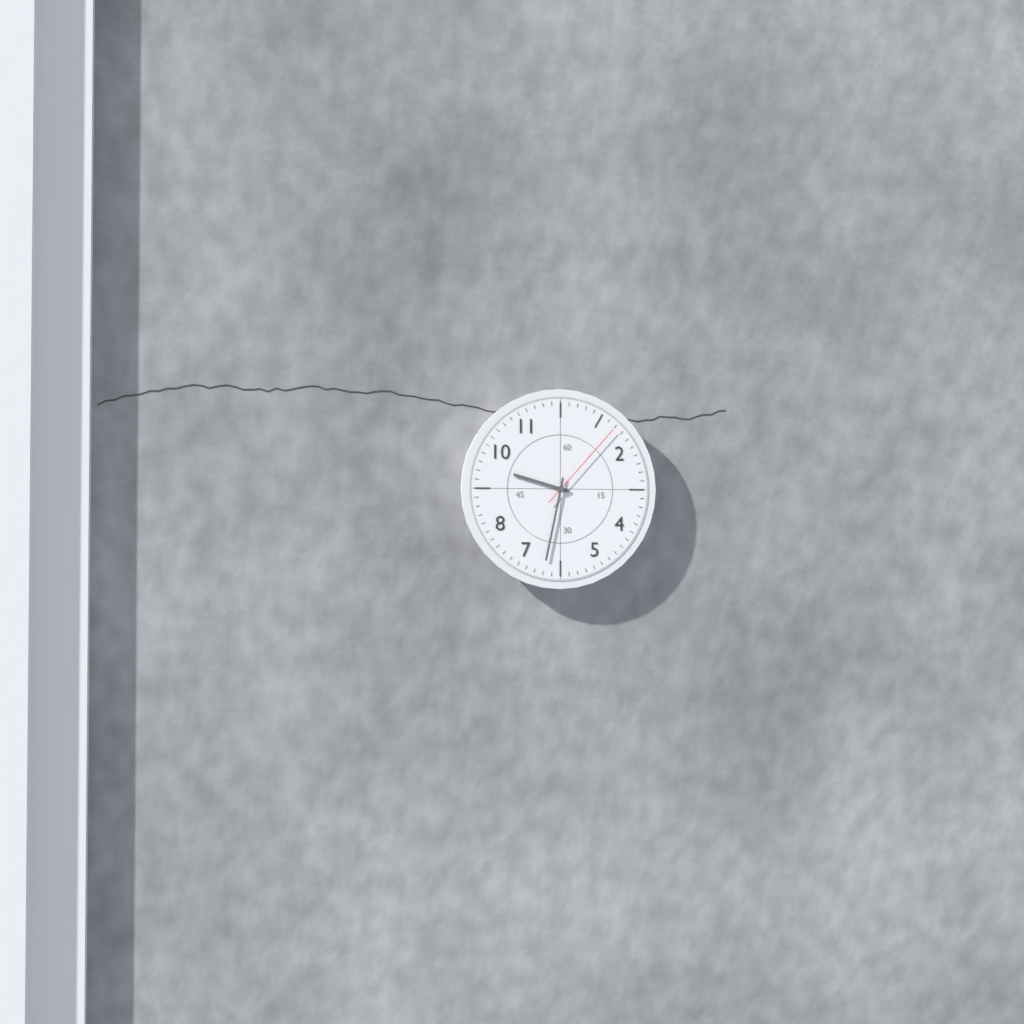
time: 9:32:07
